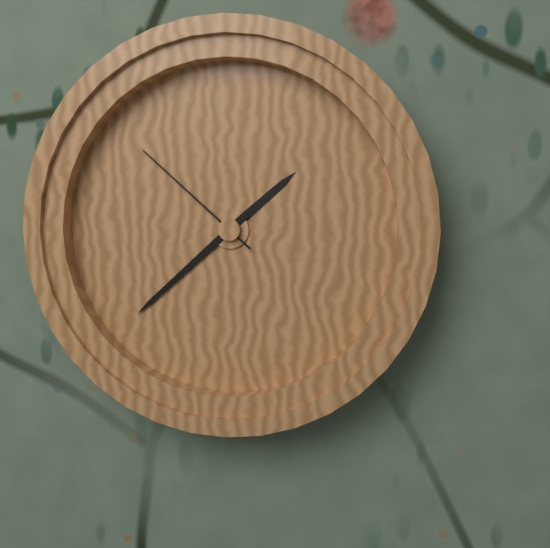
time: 1:38:52
